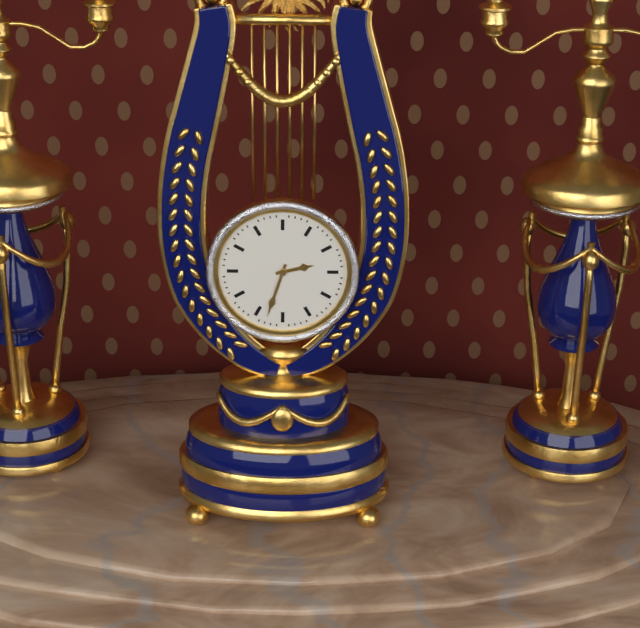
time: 2:33
